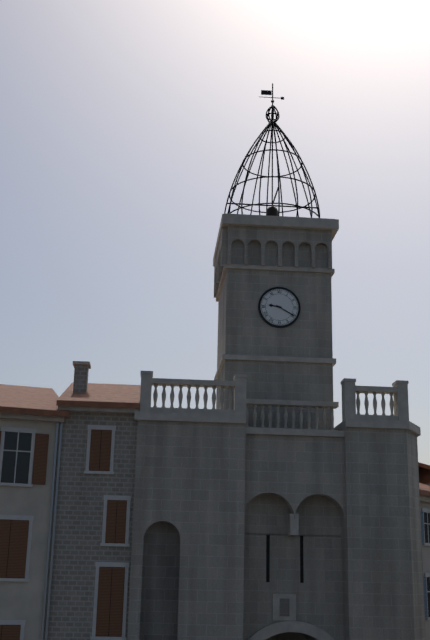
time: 9:20
